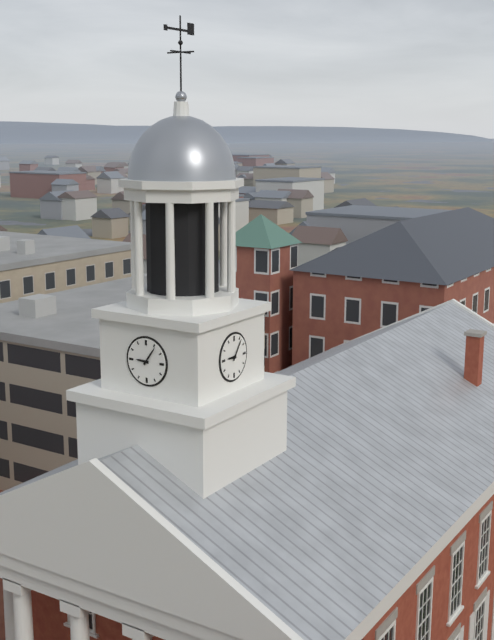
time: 9:06
